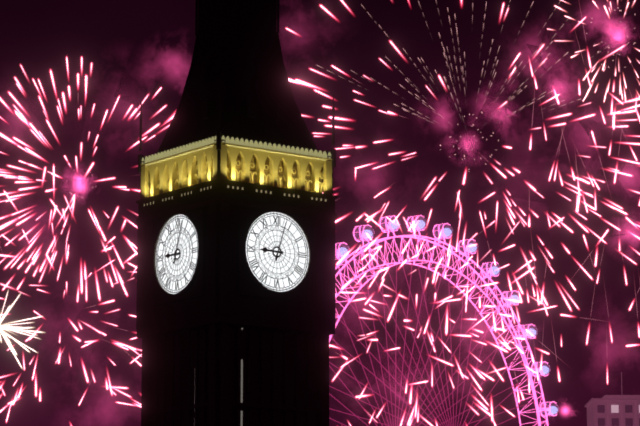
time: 9:03
